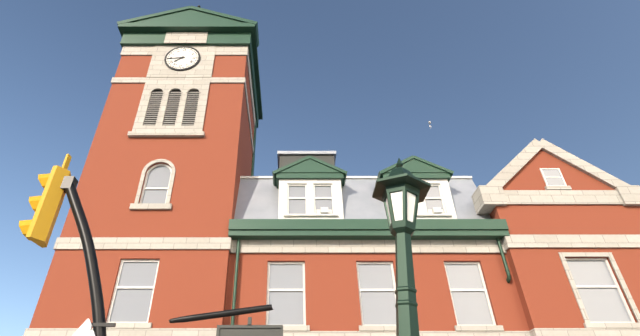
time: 7:44
